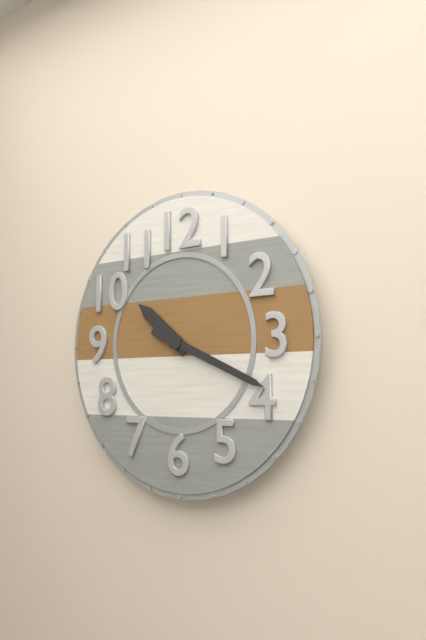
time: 10:19
